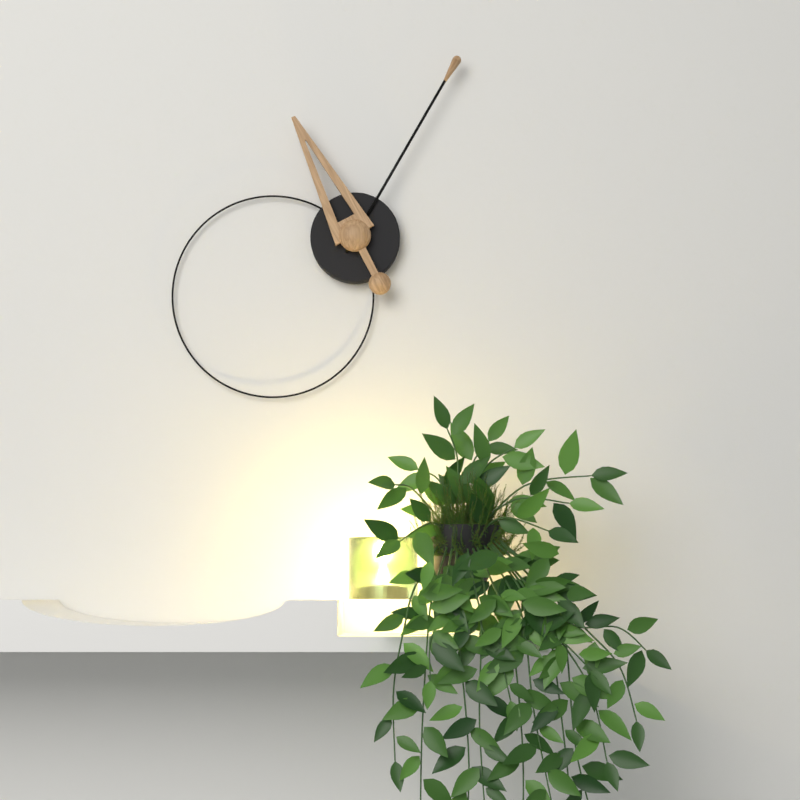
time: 11:05
